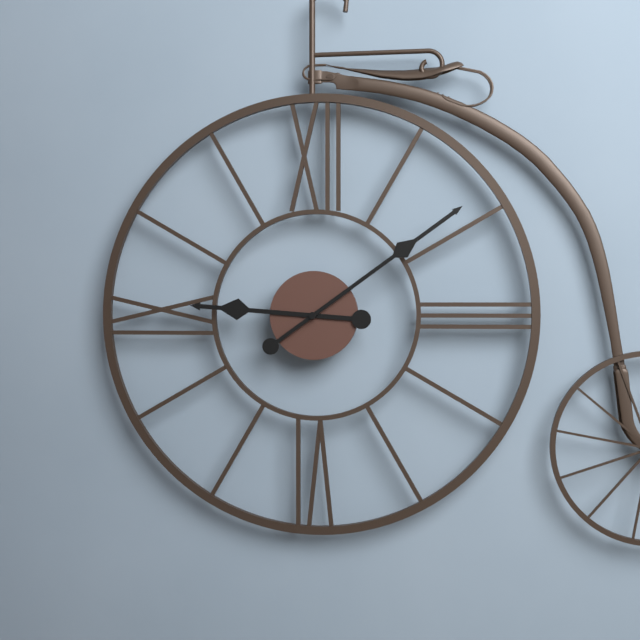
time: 9:09
